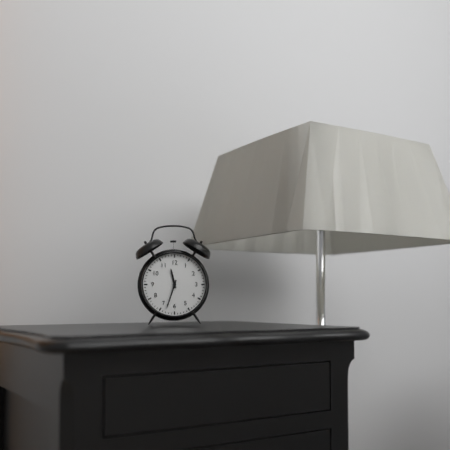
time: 11:33
